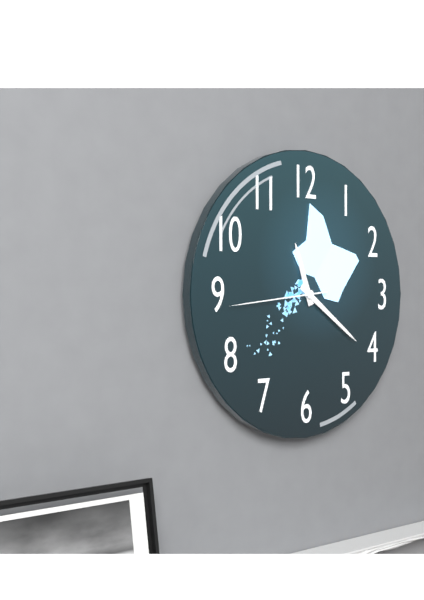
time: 11:21:44
